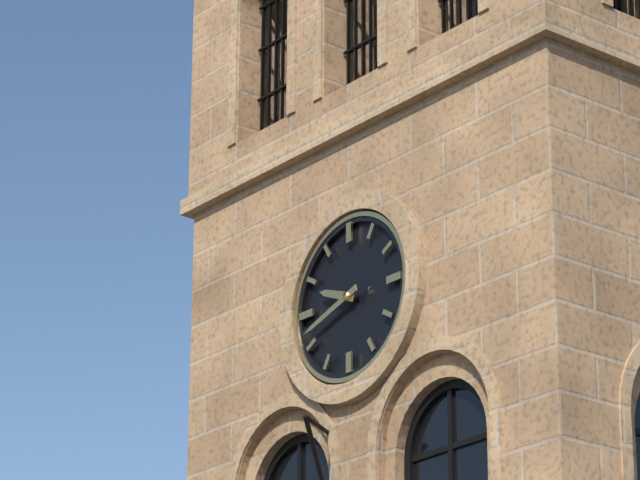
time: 9:42
